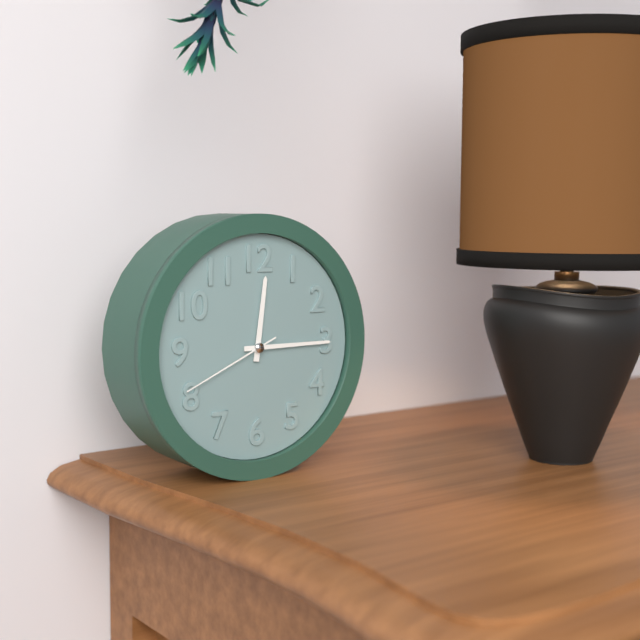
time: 12:15:41
